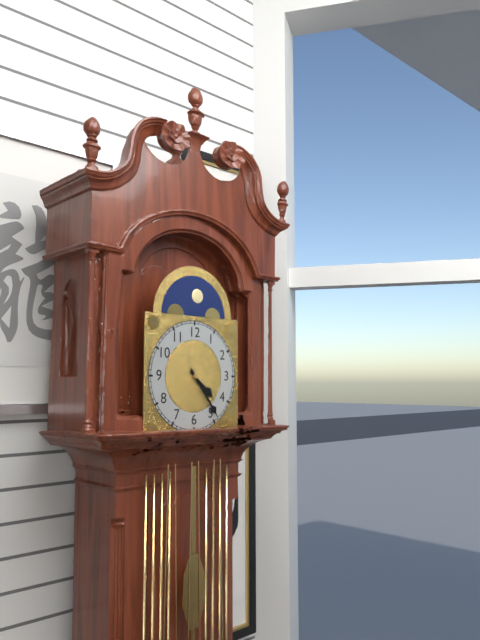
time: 4:24
